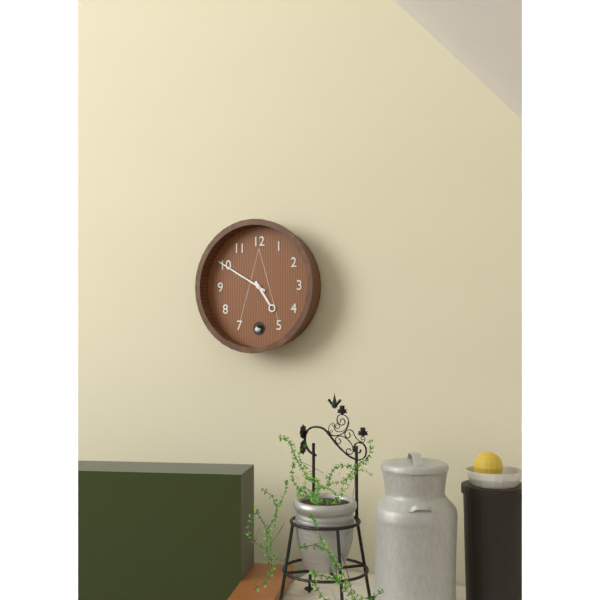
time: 4:50
